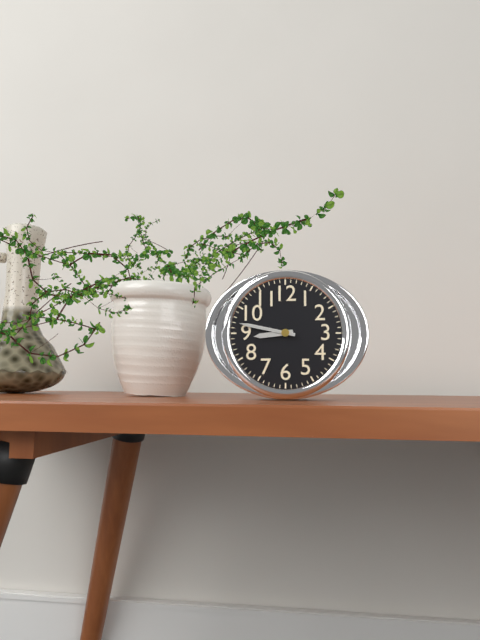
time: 8:47
